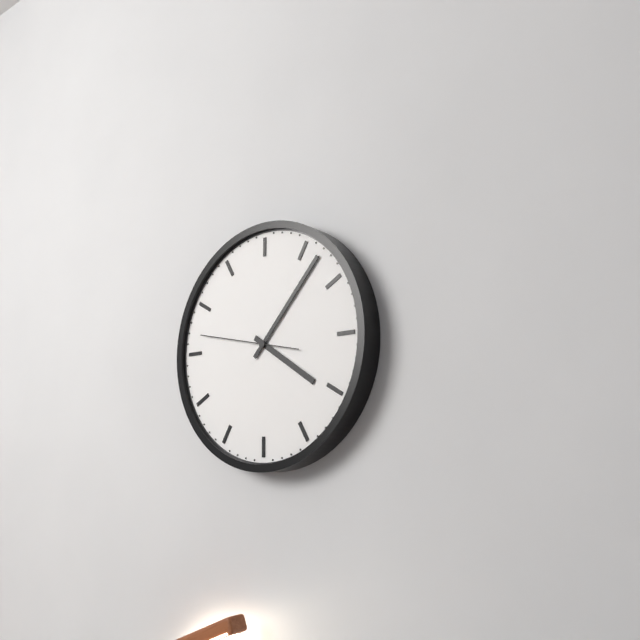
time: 4:07:47
